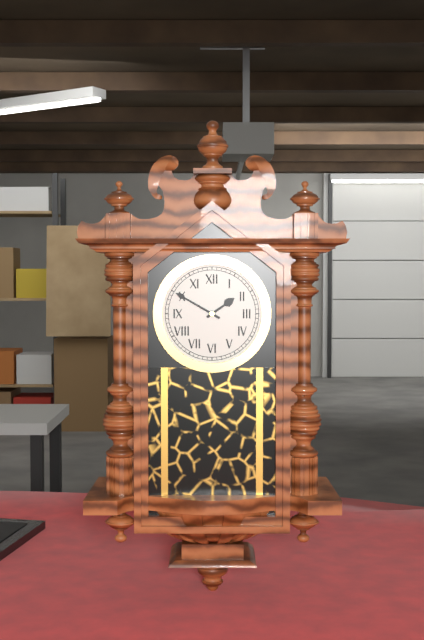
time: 1:50
